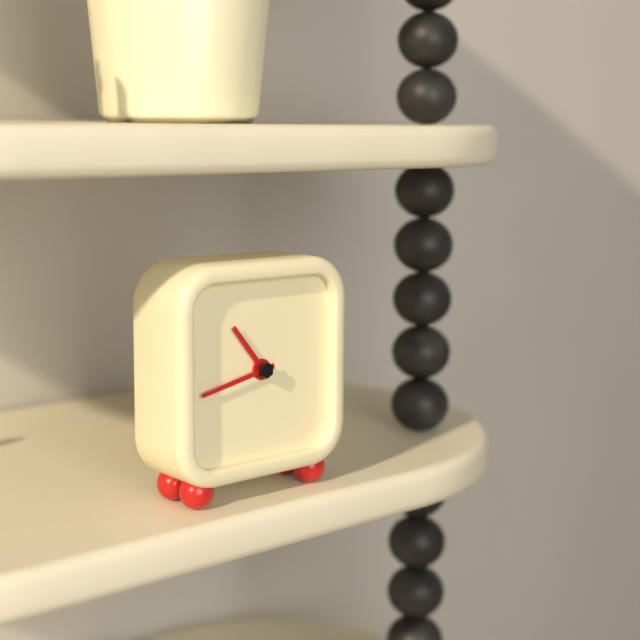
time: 10:43
